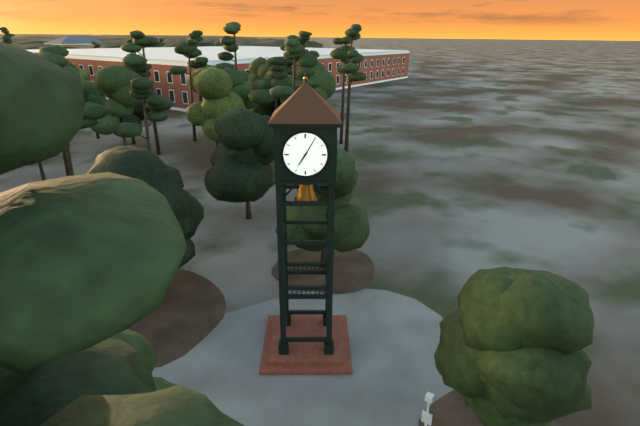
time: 7:05
